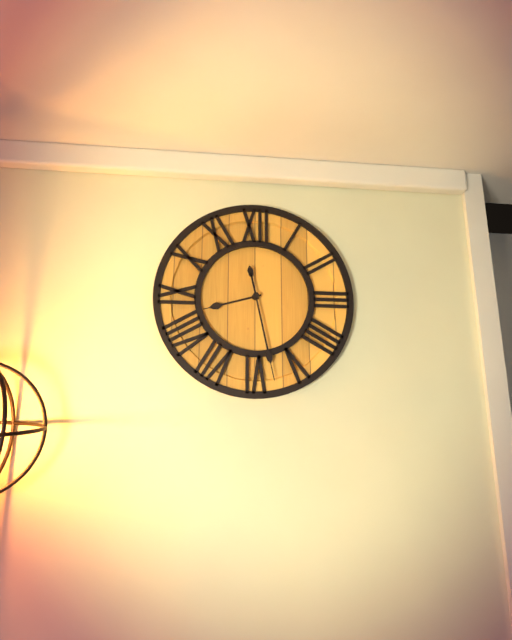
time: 8:28
